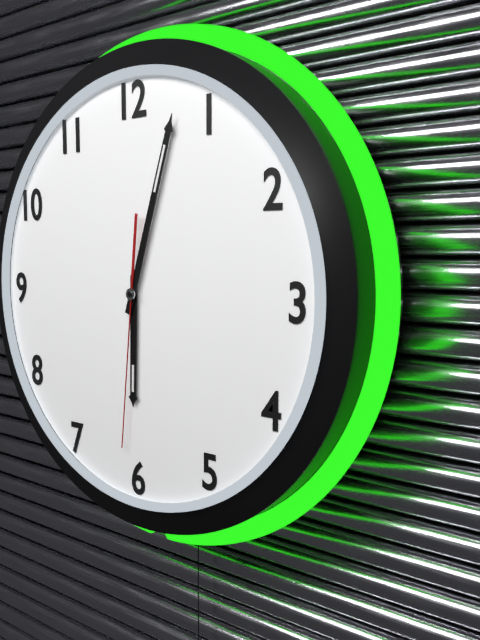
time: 6:03:31
